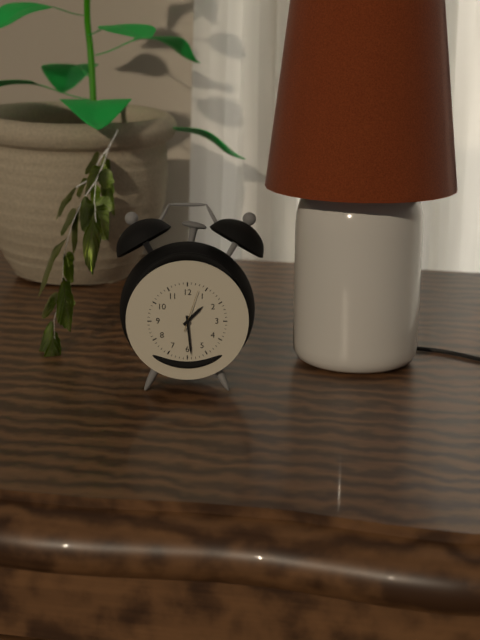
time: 1:29
